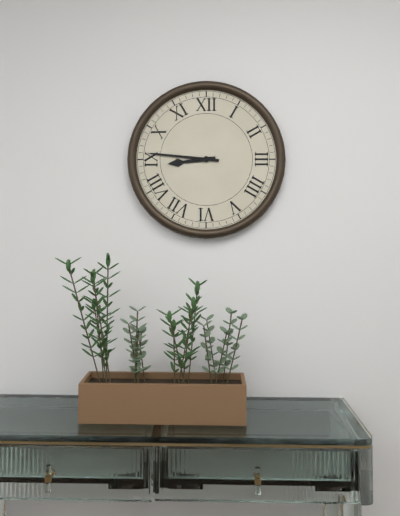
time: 8:46
